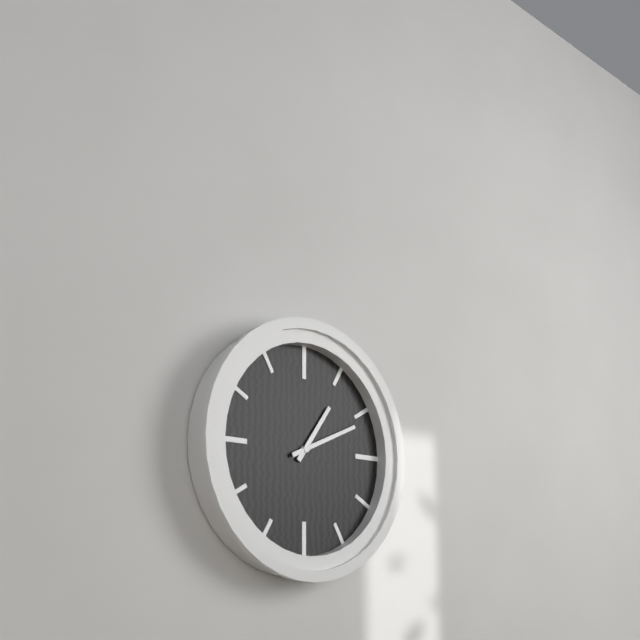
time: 1:11
